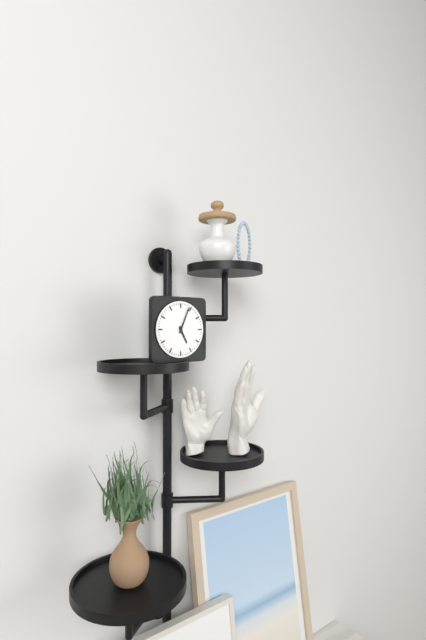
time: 5:04
